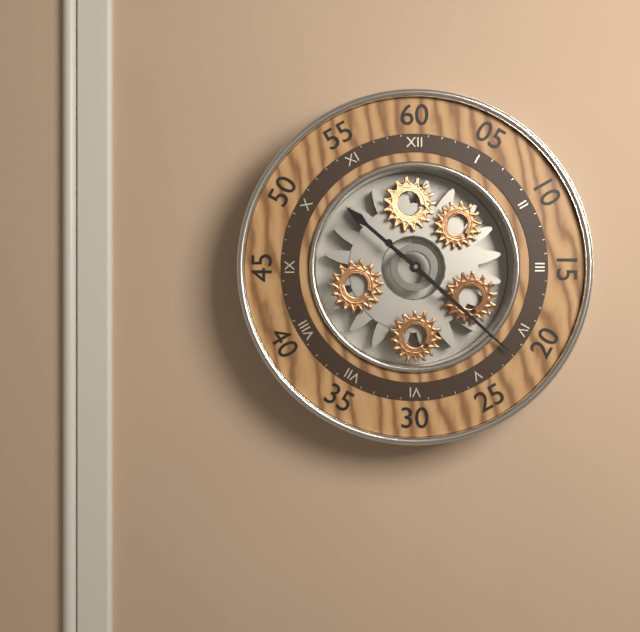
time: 10:22
